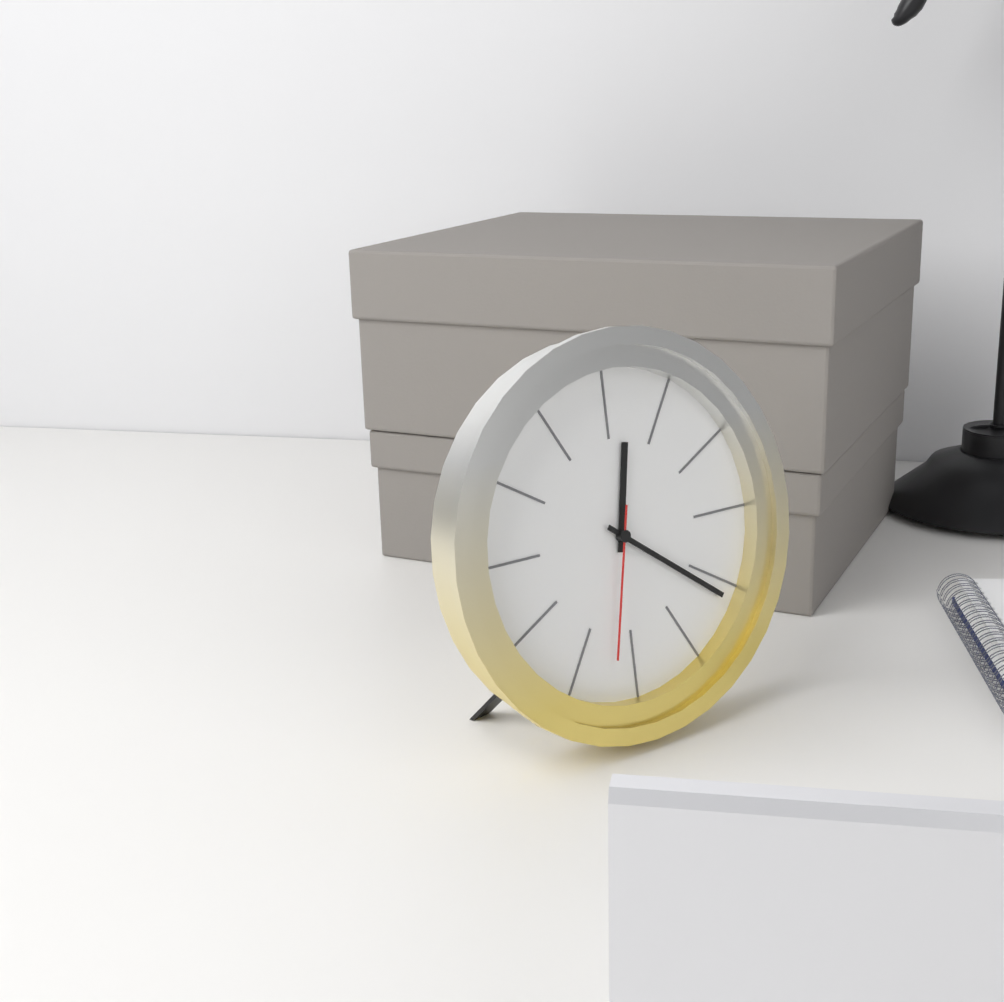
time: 12:21:32
